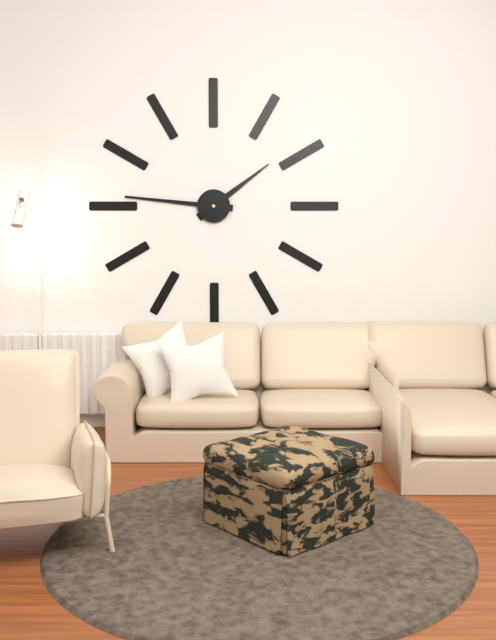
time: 1:46
